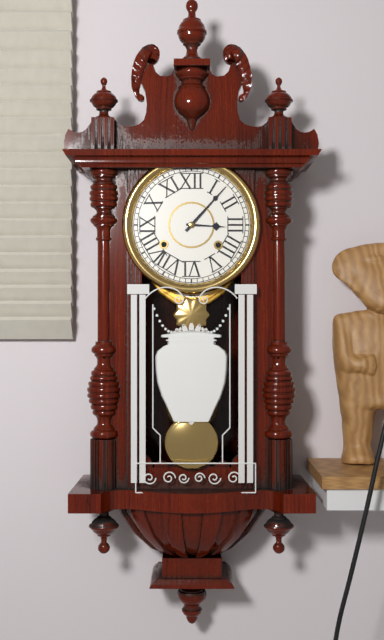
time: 3:07
